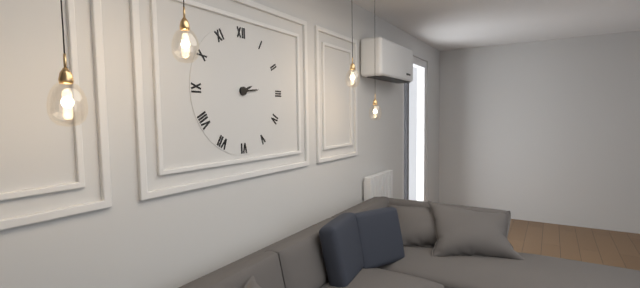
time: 2:14
